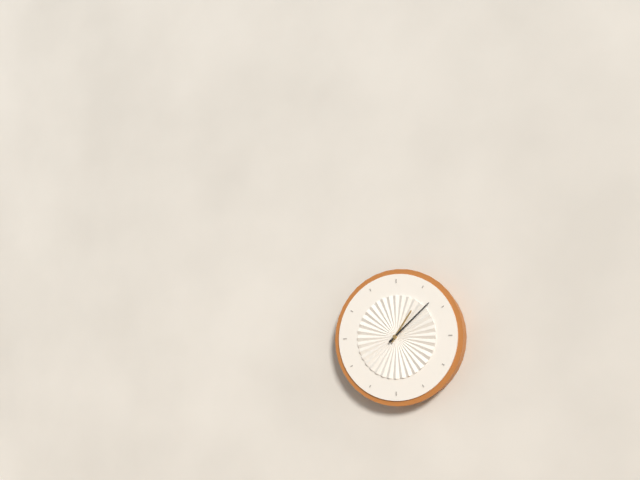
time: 1:08
